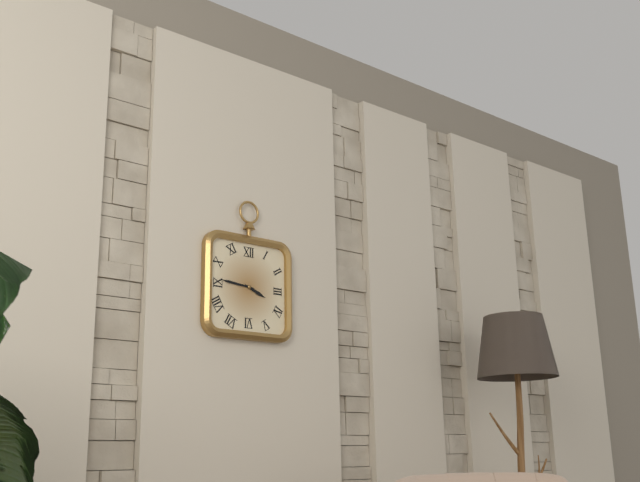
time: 3:46
